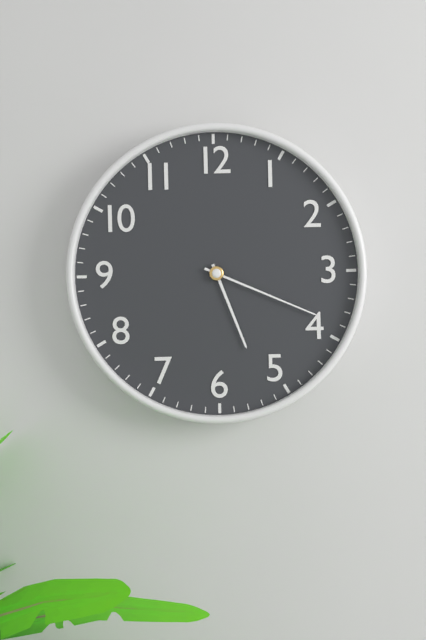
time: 5:19
